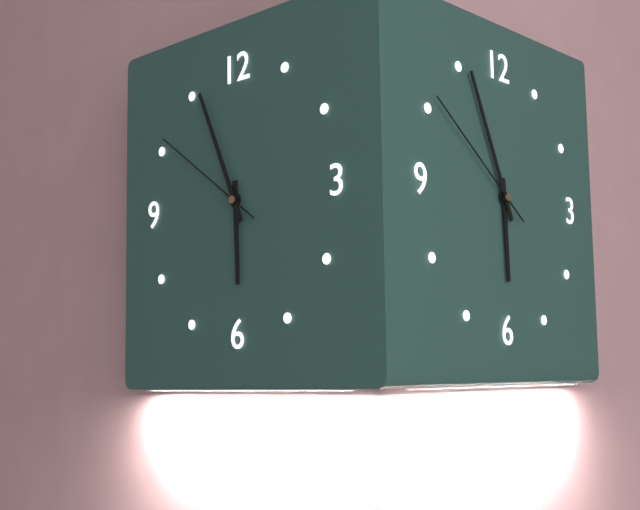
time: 5:56:51
